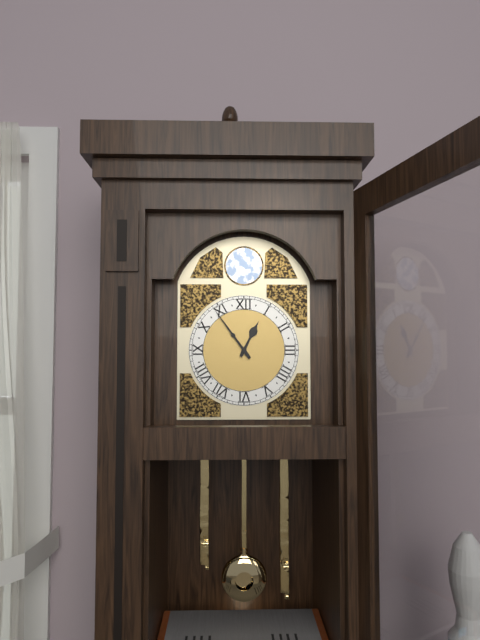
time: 12:54
